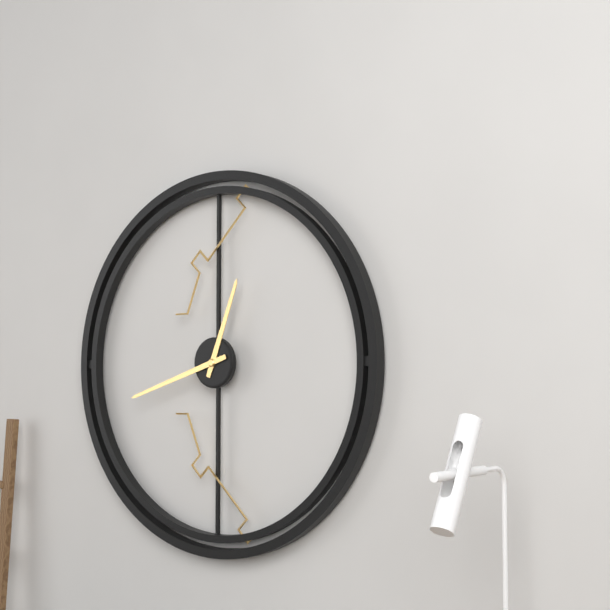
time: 12:42
